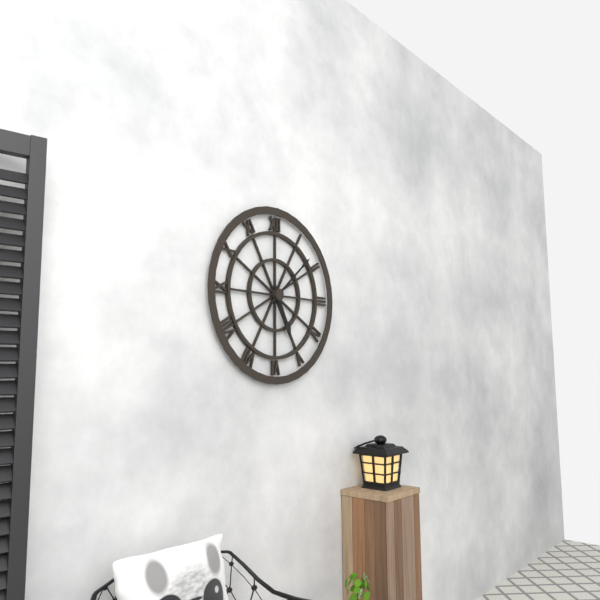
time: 5:08
